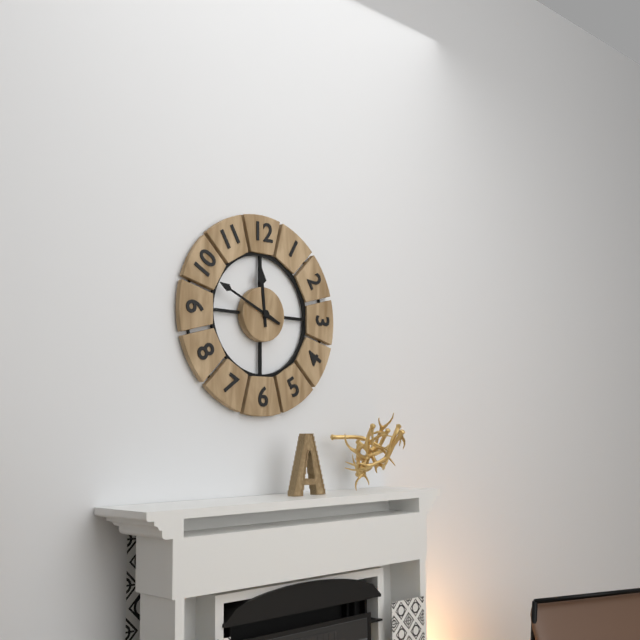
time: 11:49
